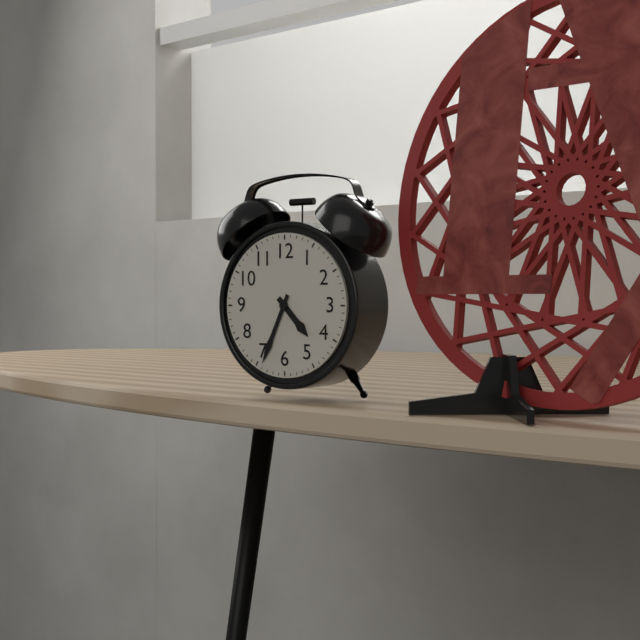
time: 4:34
